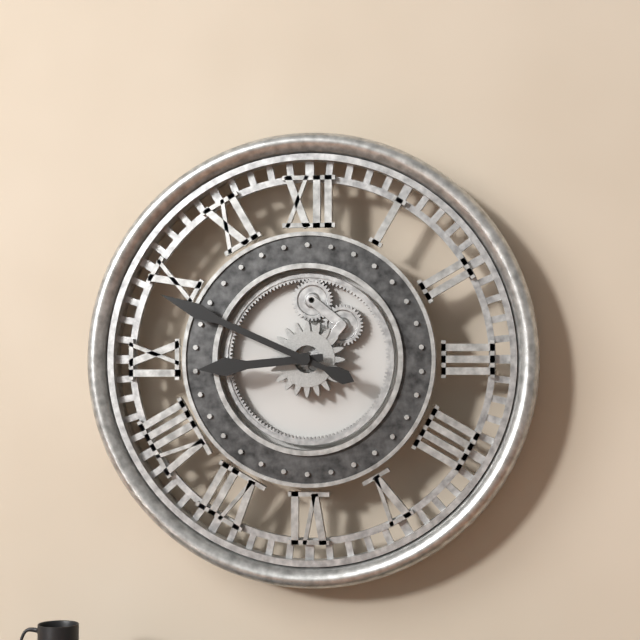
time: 8:49
